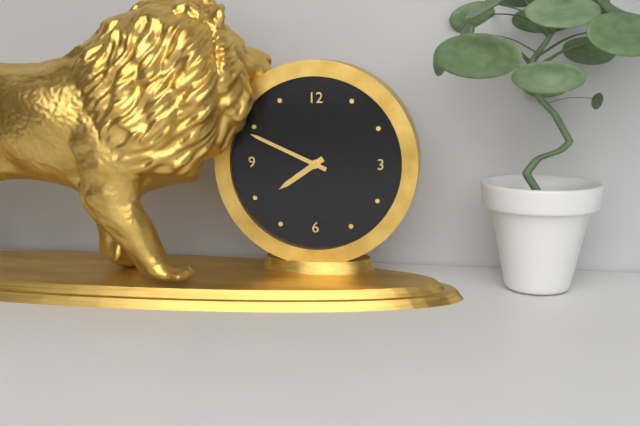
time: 7:49
